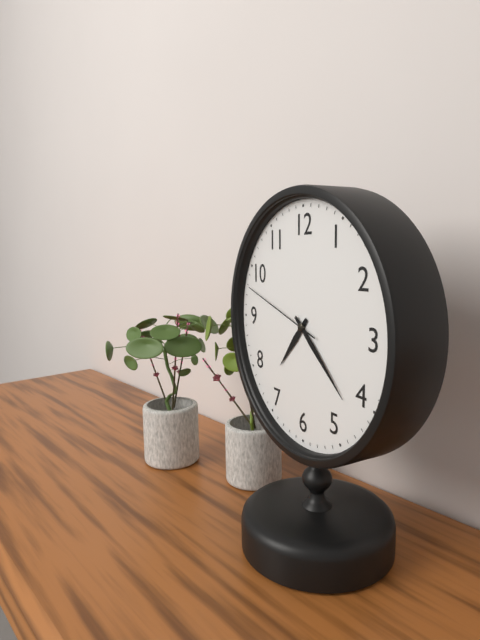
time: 7:22:48
